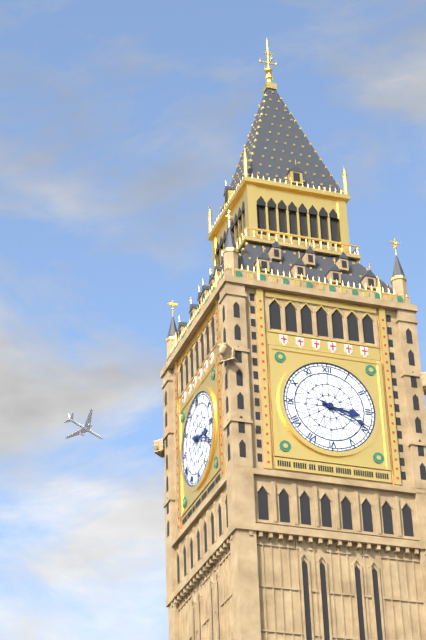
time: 3:19
